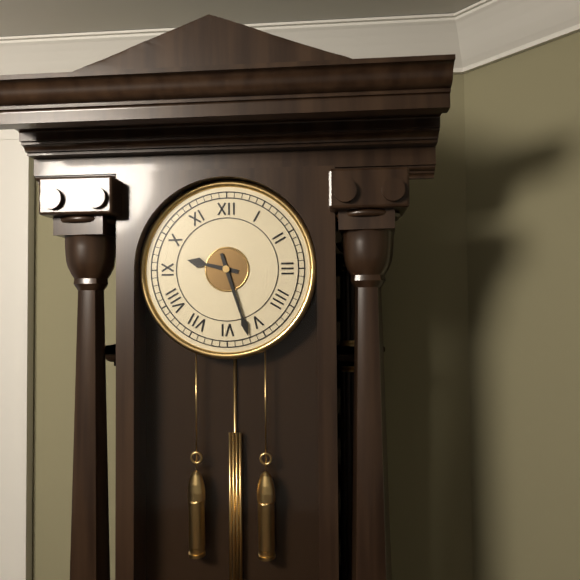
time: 9:27
